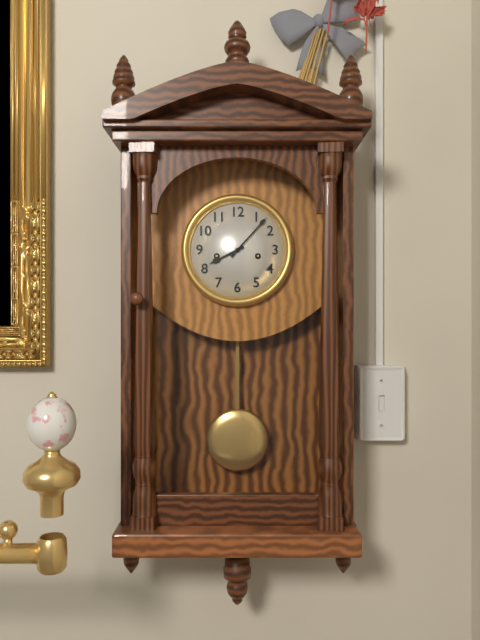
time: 8:07
